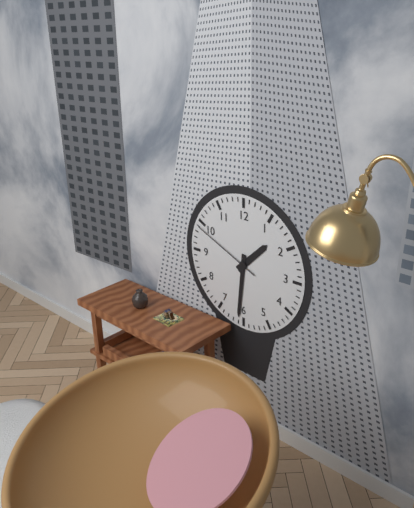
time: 1:31:49
